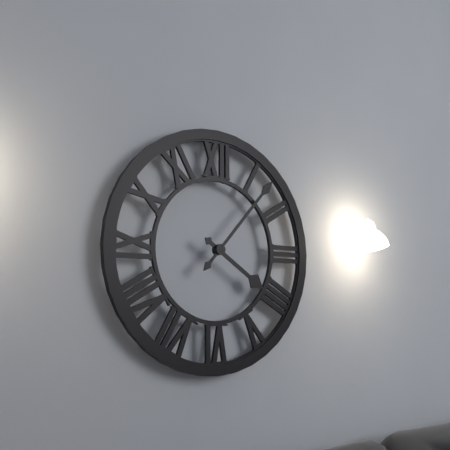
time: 4:07
